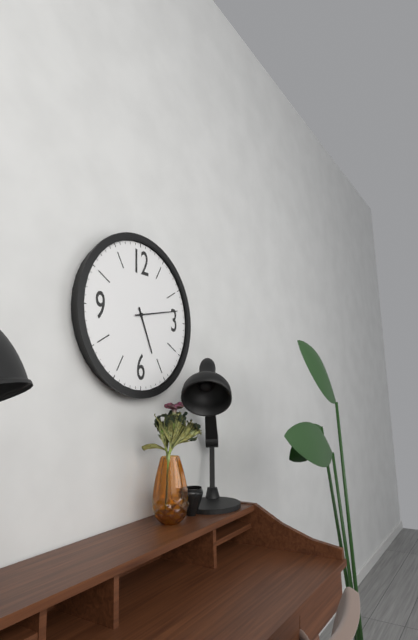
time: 5:13
